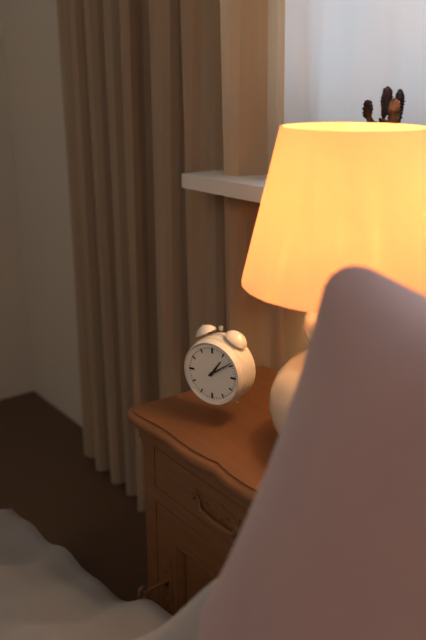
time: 1:09
